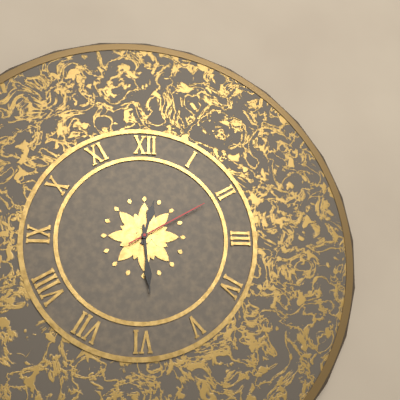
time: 12:29:10
